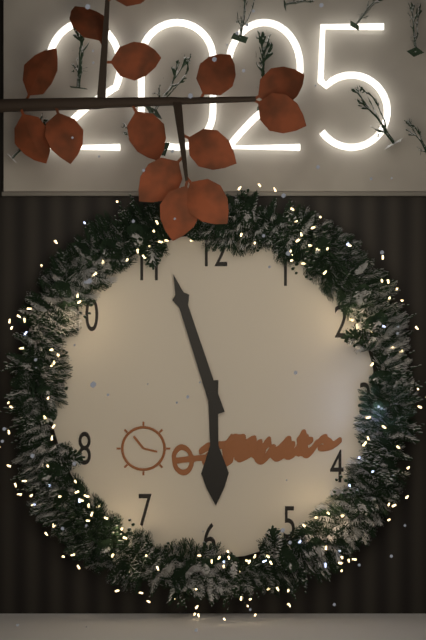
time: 5:57
